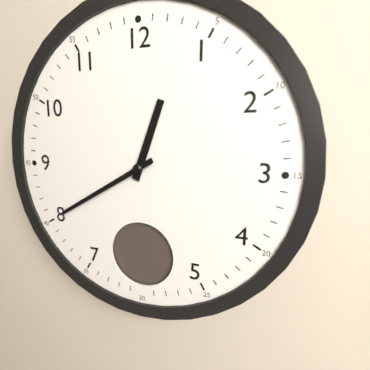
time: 12:40
